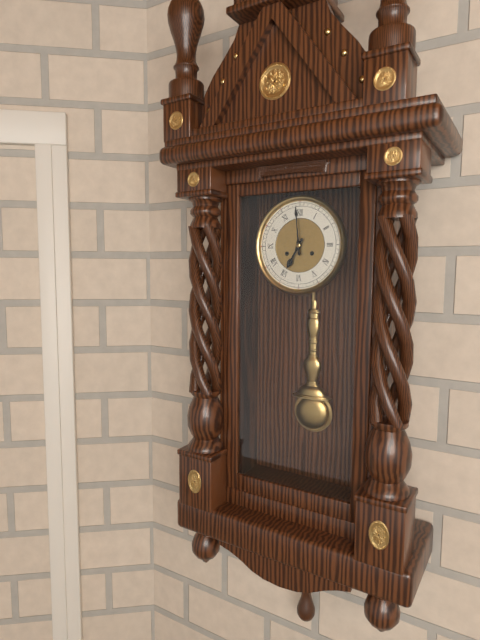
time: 6:59
